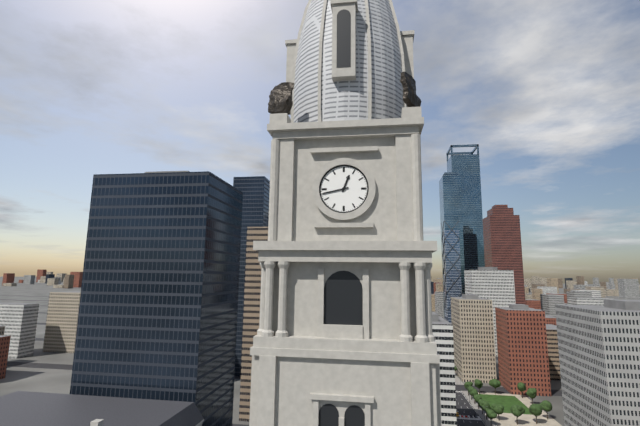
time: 12:43
